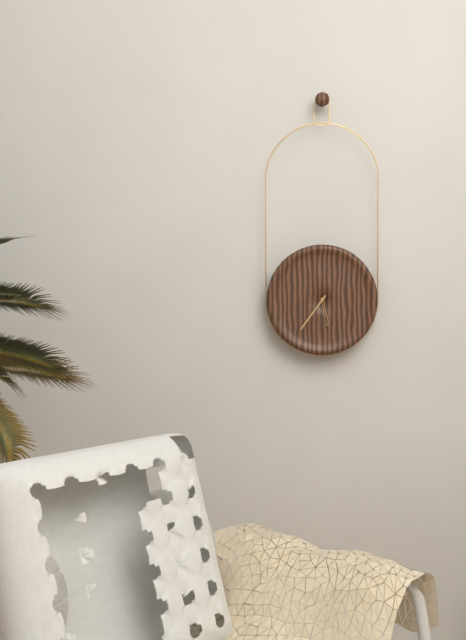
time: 5:36
